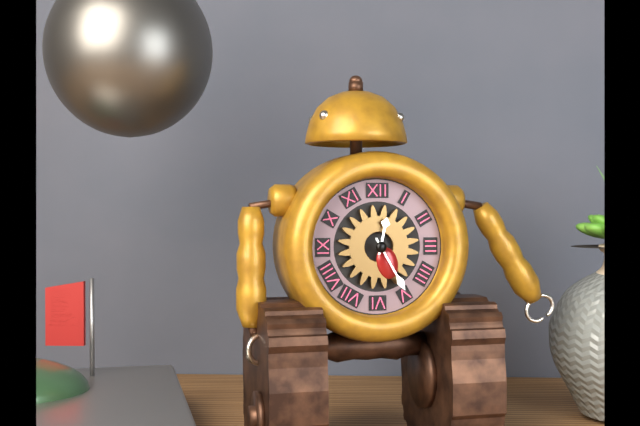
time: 12:25
